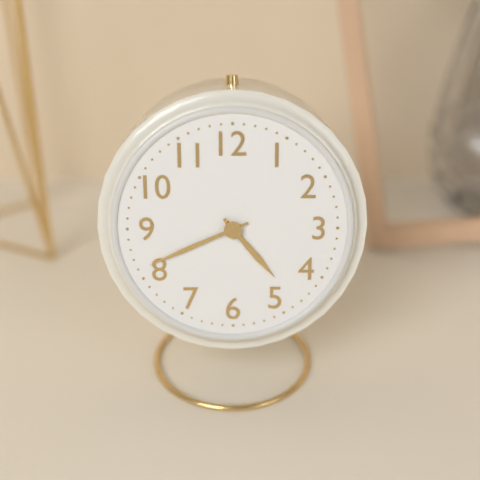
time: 4:41
